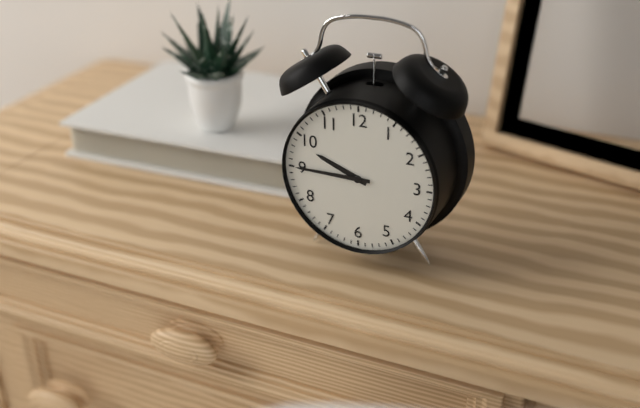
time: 9:45
